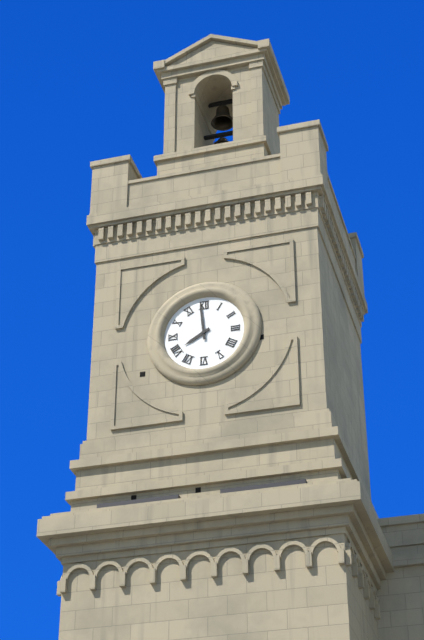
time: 7:59
